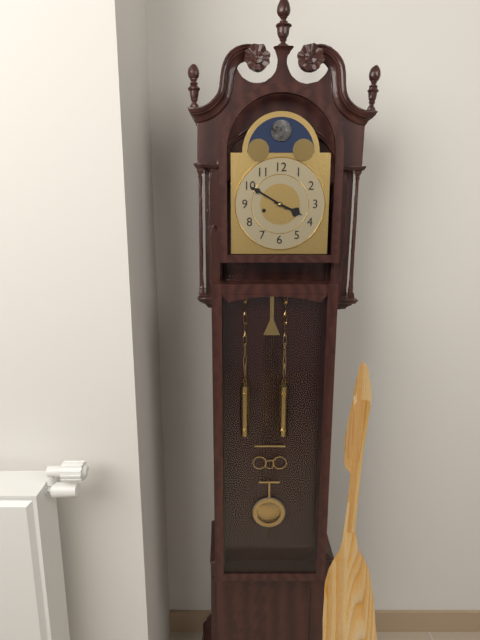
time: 3:50
